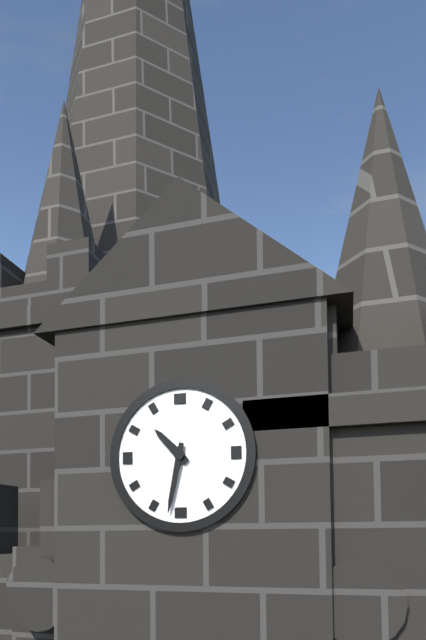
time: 10:32
